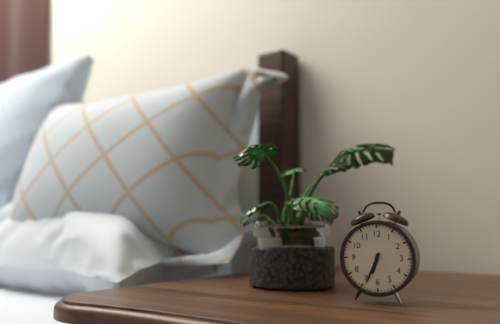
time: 6:34
